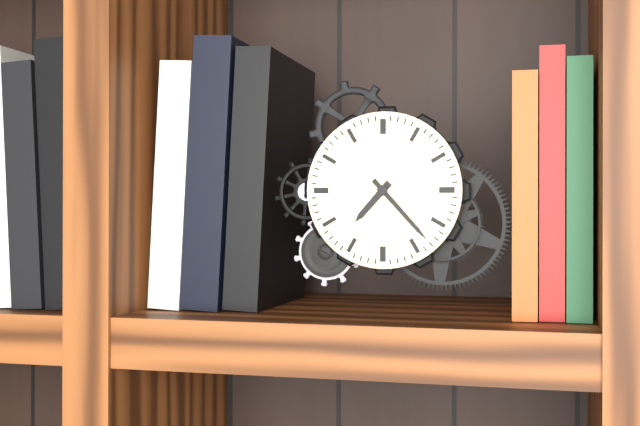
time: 7:23
